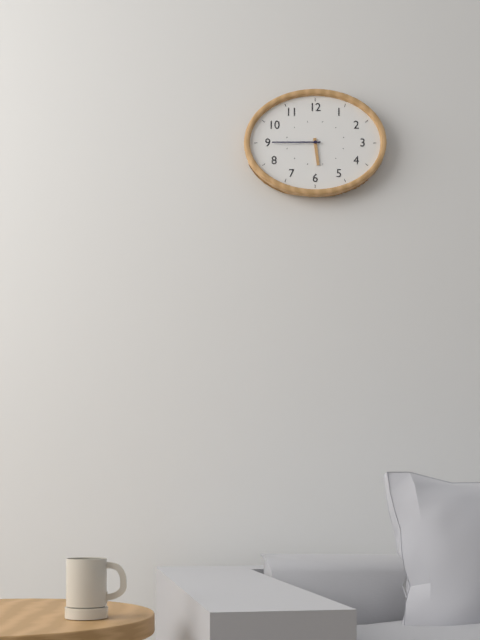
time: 5:45
